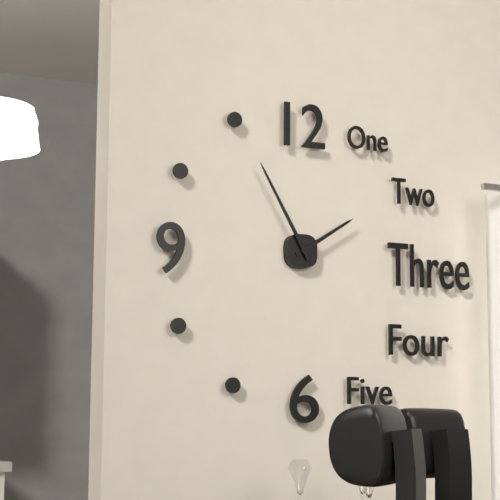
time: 1:55
